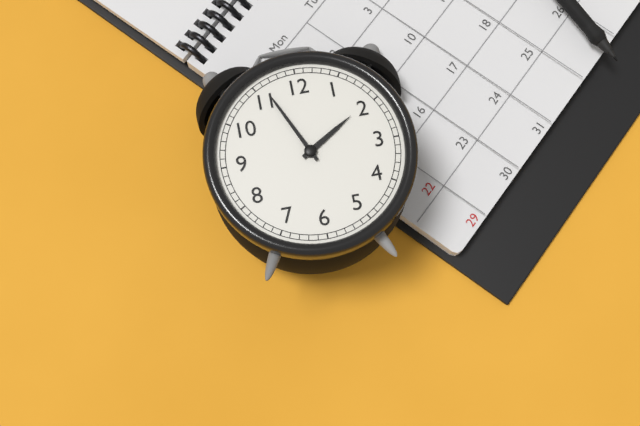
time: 1:56
